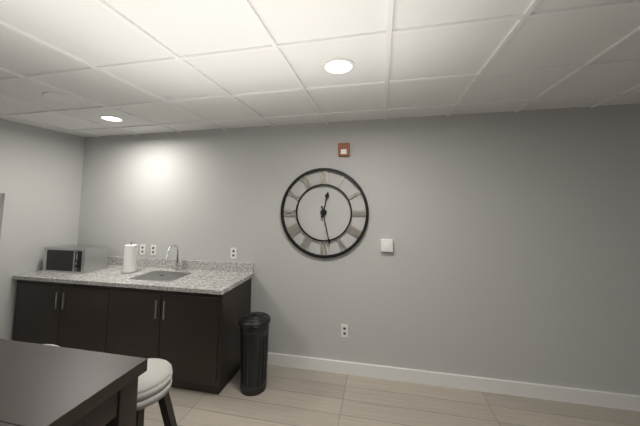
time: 12:28
